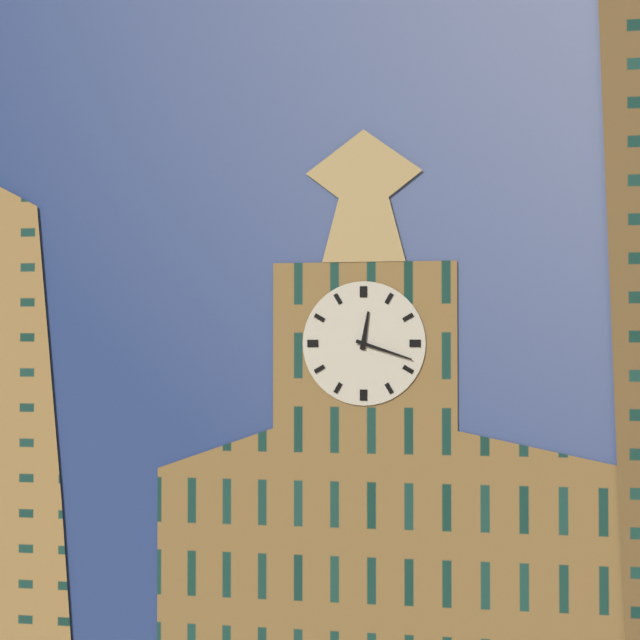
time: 12:18
